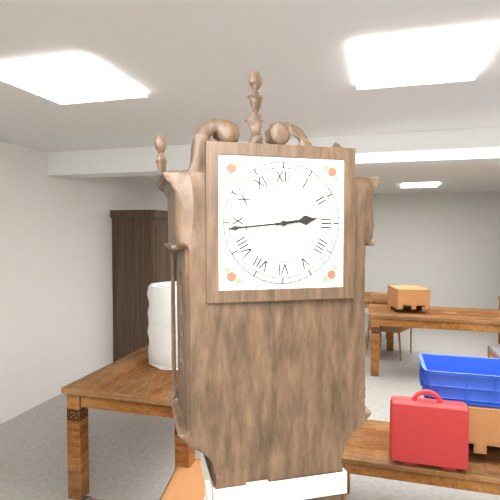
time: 2:44
